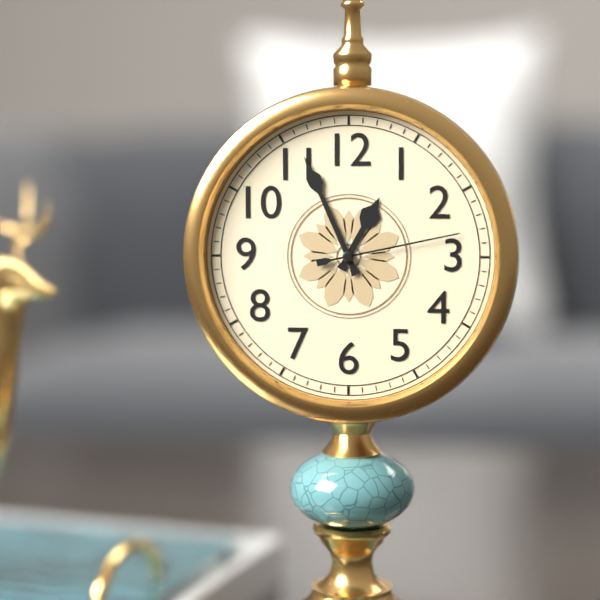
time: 12:56:13
